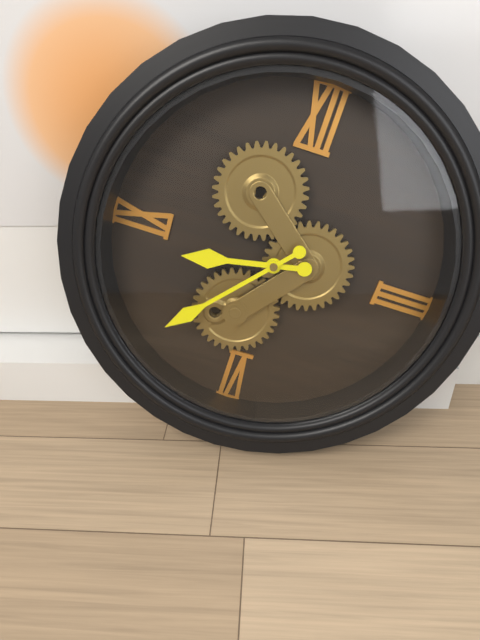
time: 8:37
